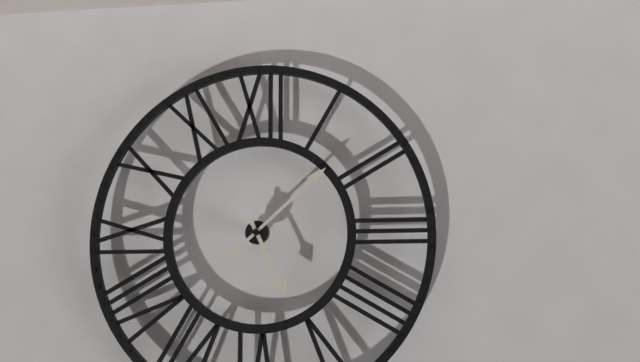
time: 5:08
